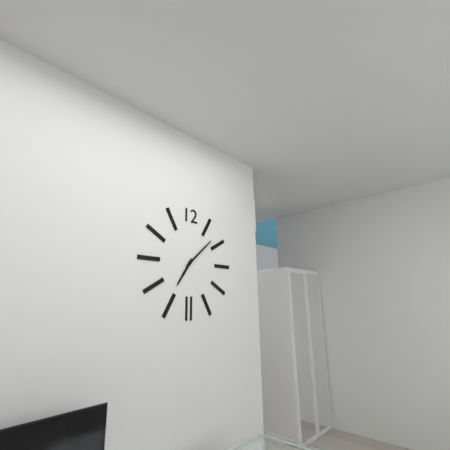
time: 7:08
